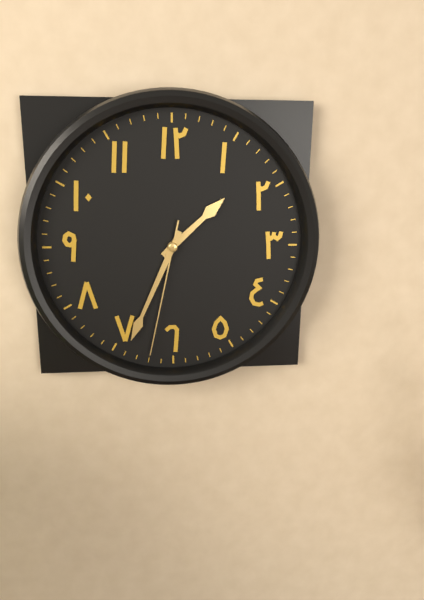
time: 1:34:32
